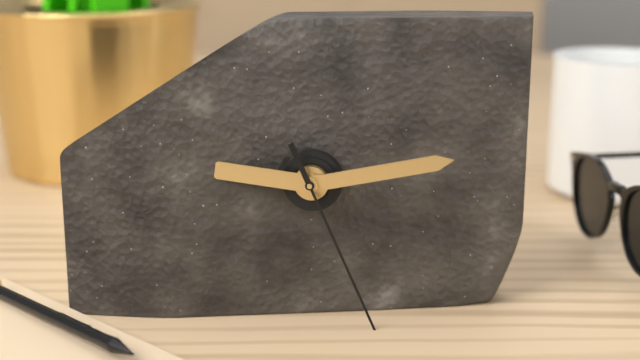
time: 9:13
